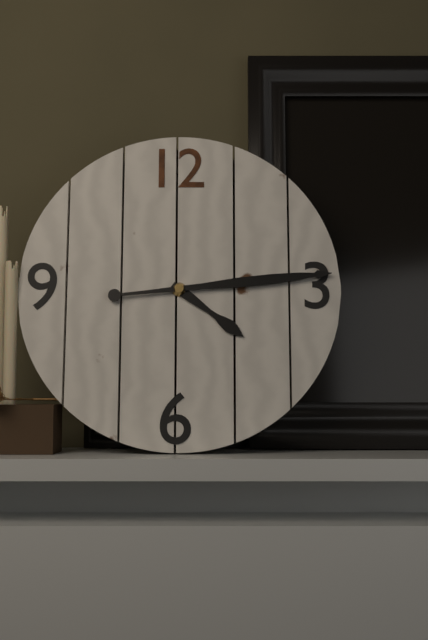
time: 4:14
